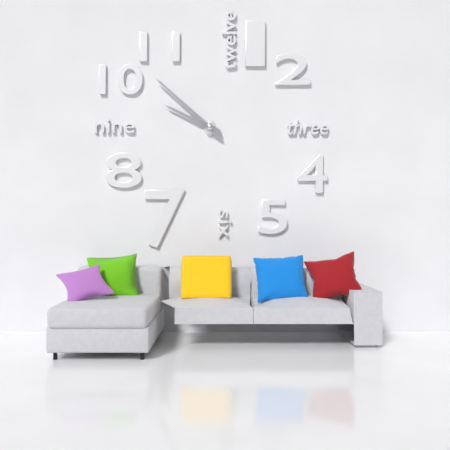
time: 9:52
